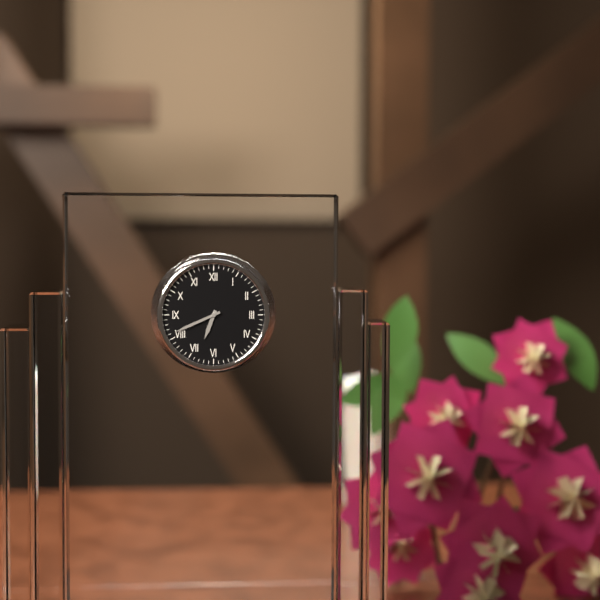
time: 6:41
